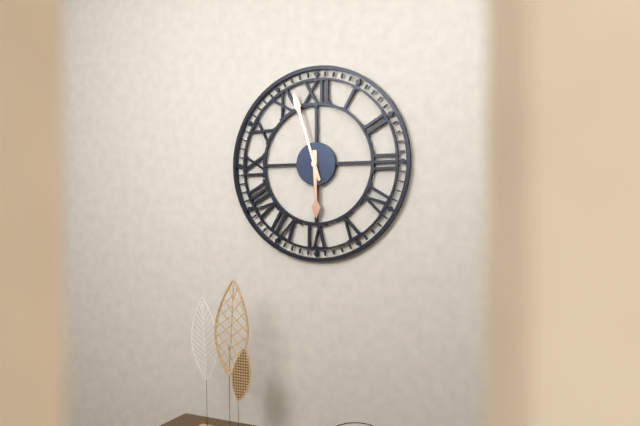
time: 5:57
